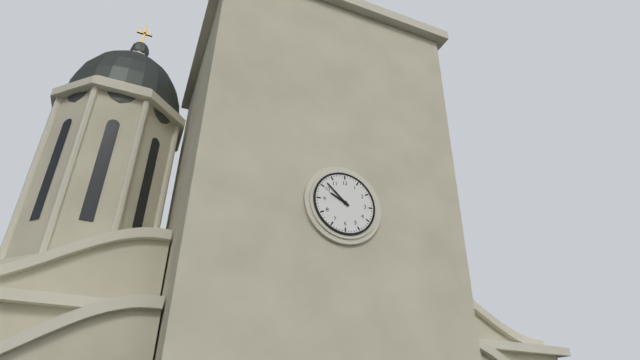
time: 9:52
